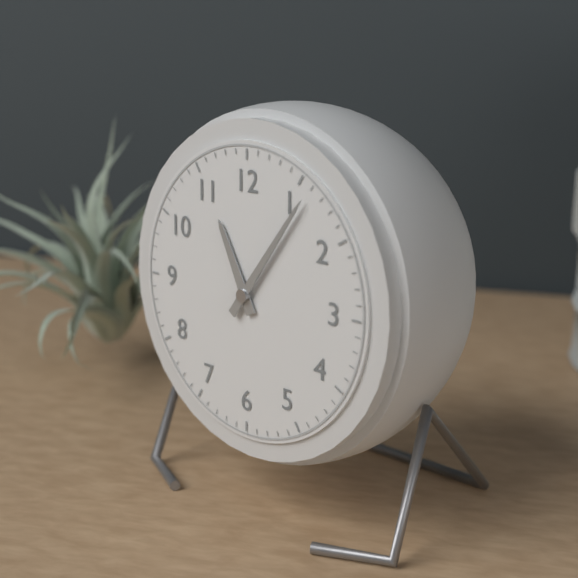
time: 11:06
